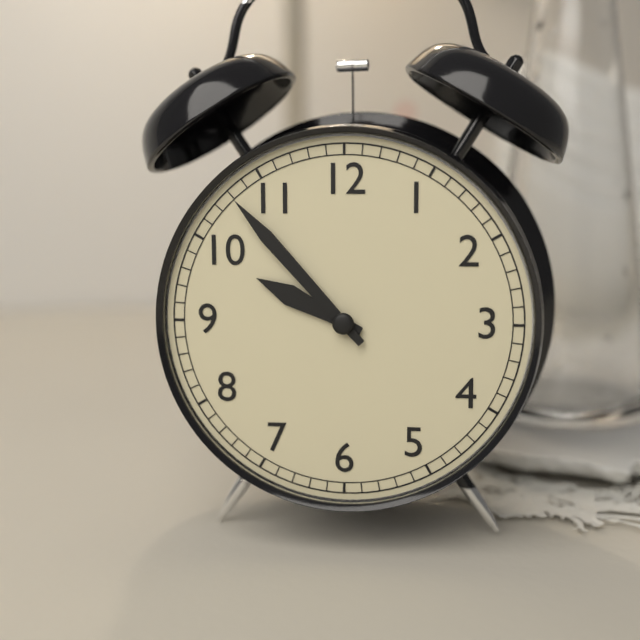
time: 9:53
